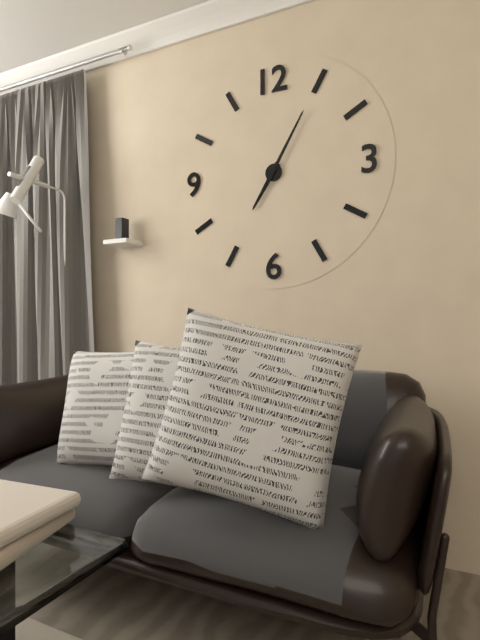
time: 7:05
